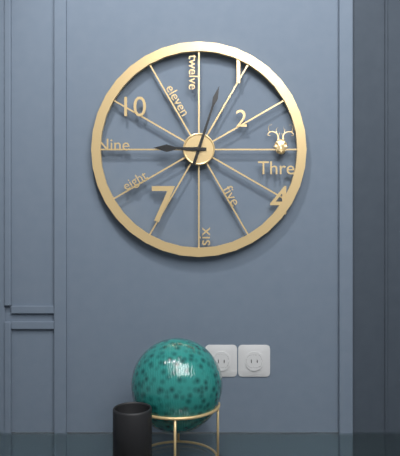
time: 9:03
